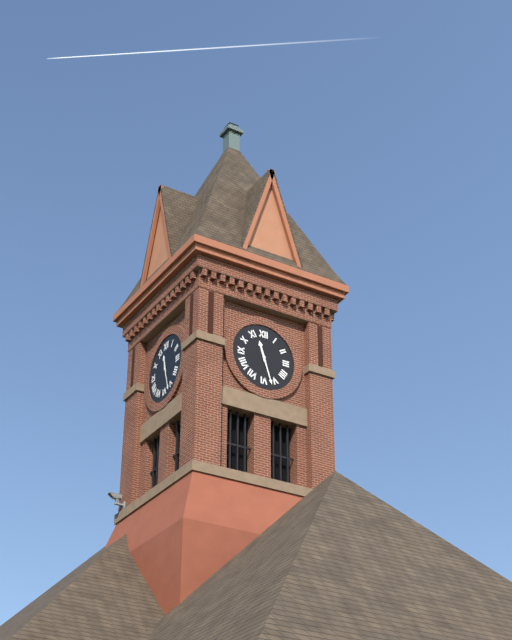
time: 11:27
